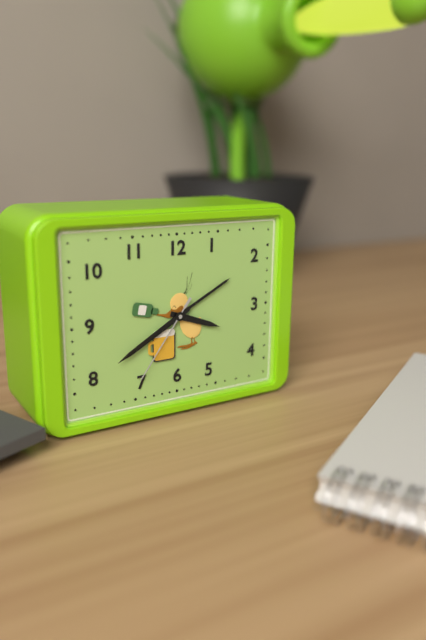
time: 3:40:36
